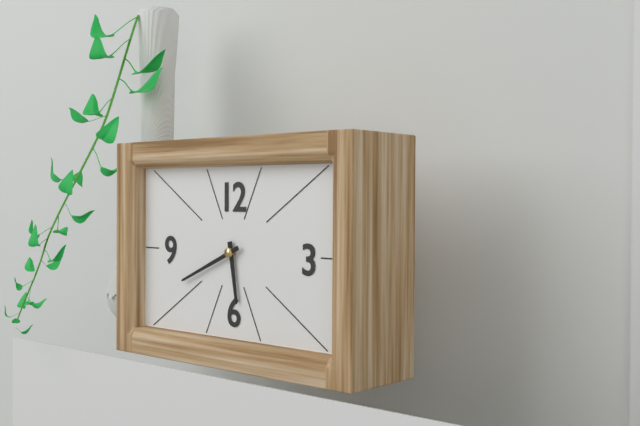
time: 5:41
